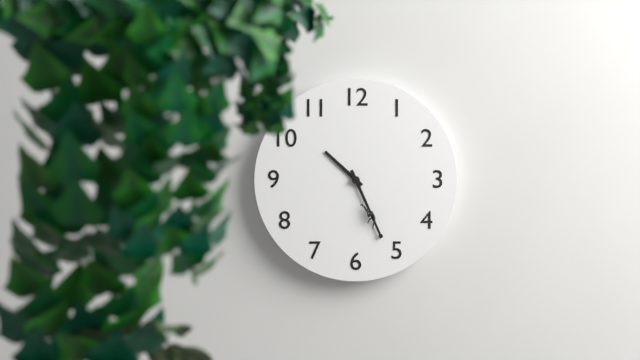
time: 10:26
